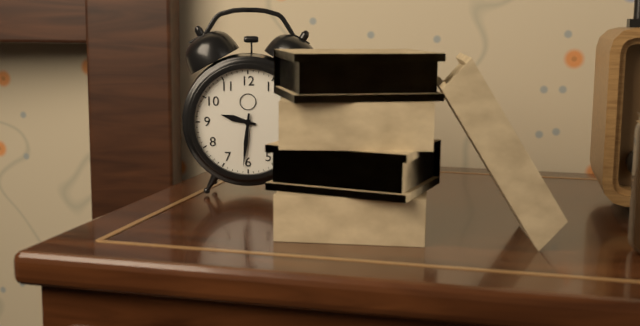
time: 9:31
